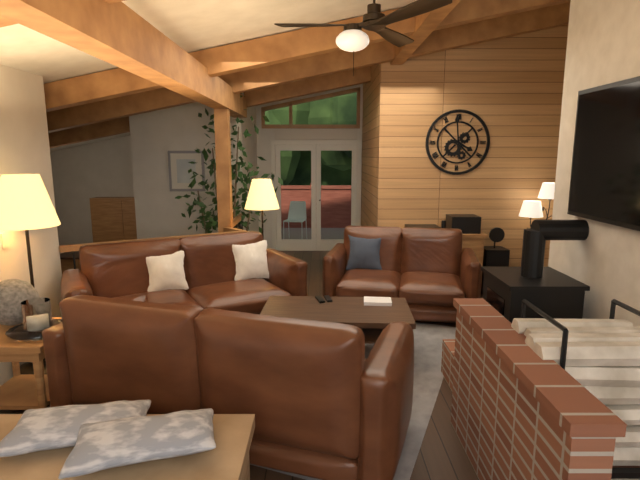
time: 3:59
